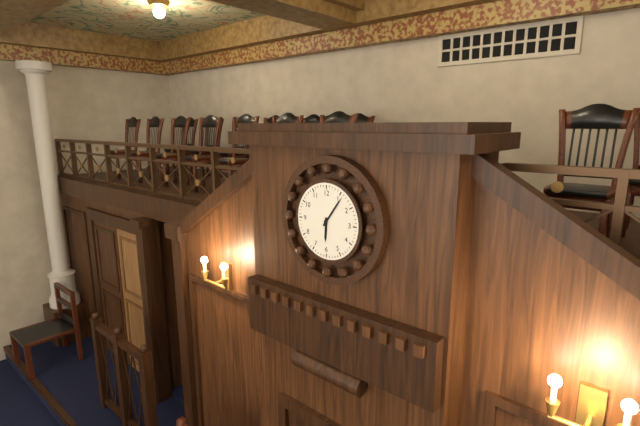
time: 6:06
